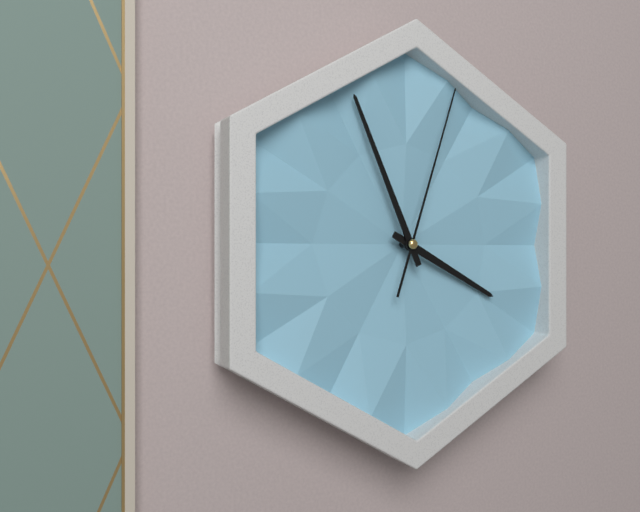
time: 3:56:03
